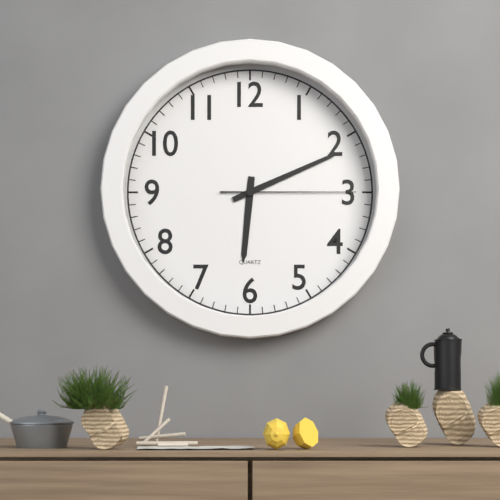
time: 6:11:15
